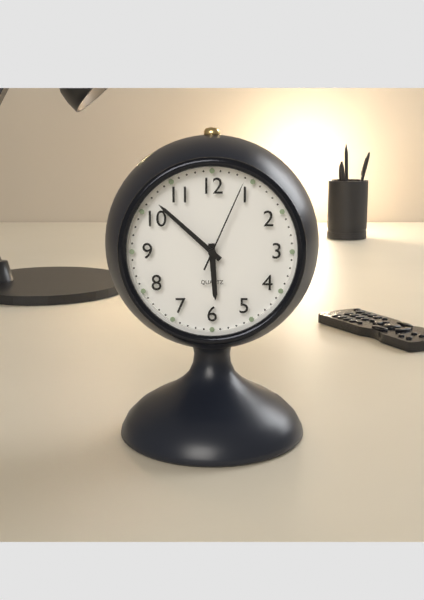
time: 5:52:04
